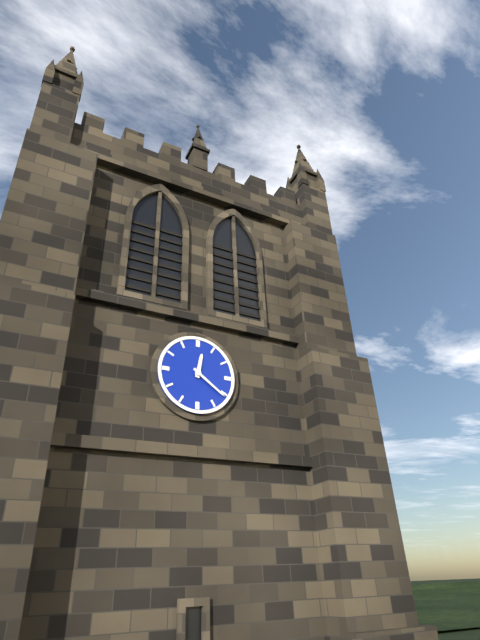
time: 12:21
